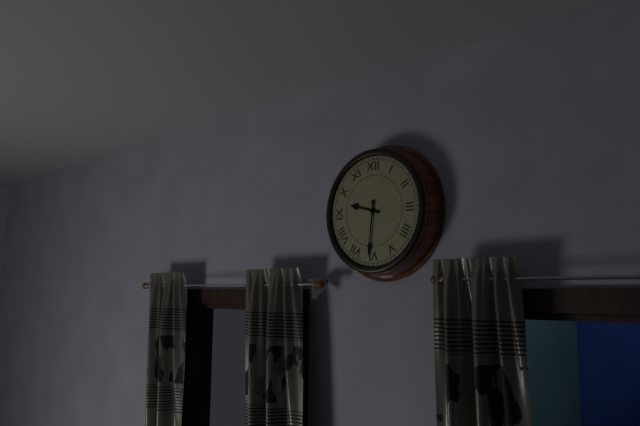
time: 9:31
